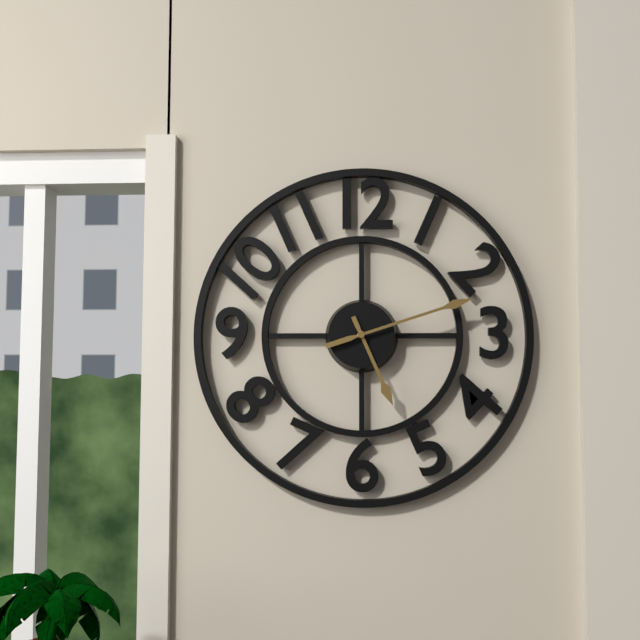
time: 5:12
